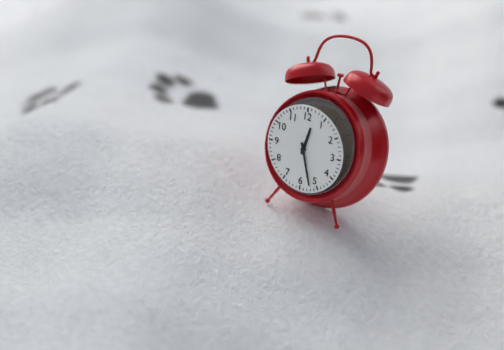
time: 12:27
